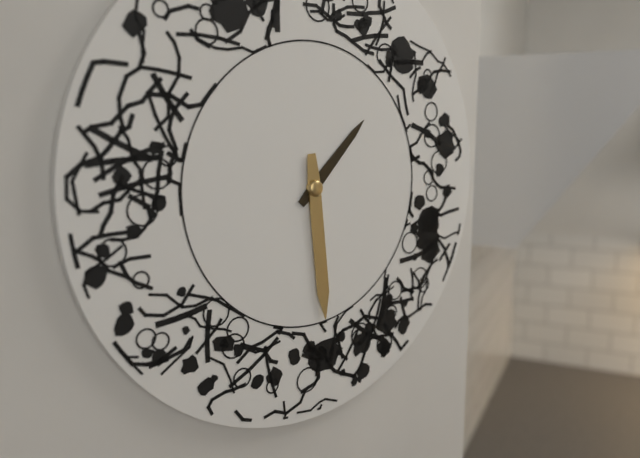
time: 1:29
